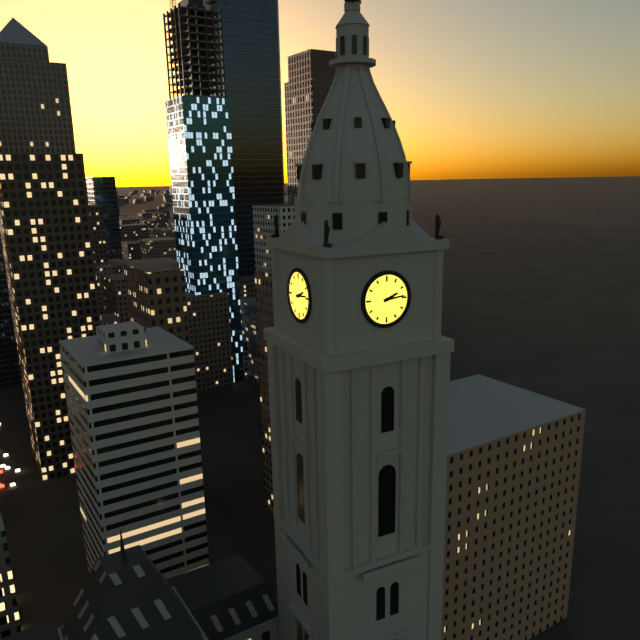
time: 2:14
